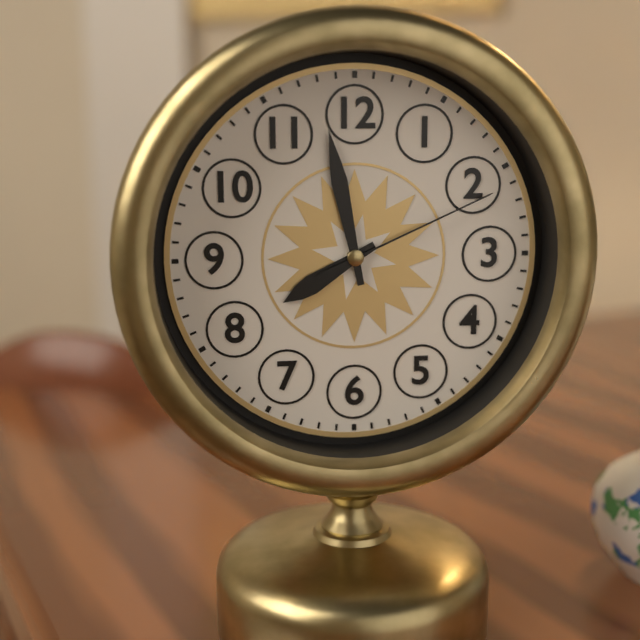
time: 7:58:11
